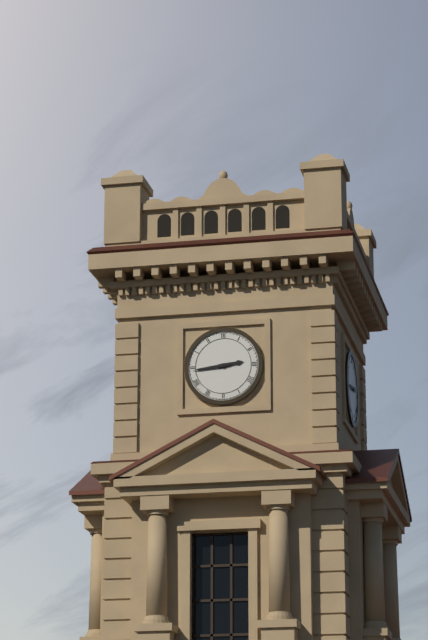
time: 2:44
